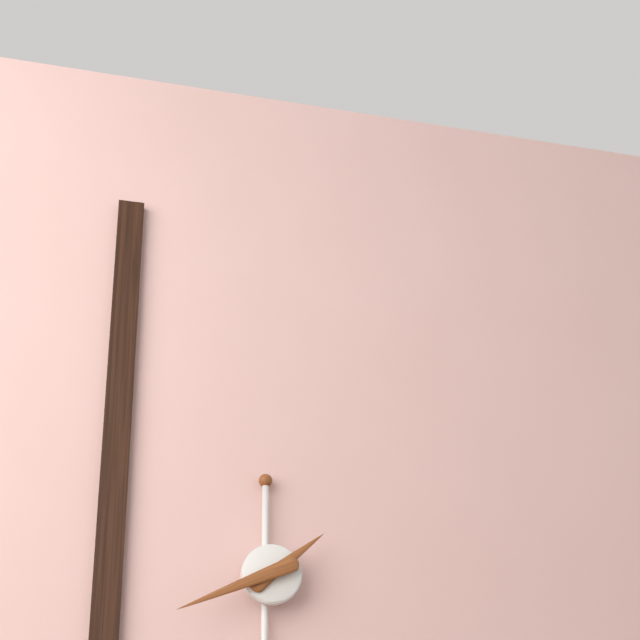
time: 1:41
